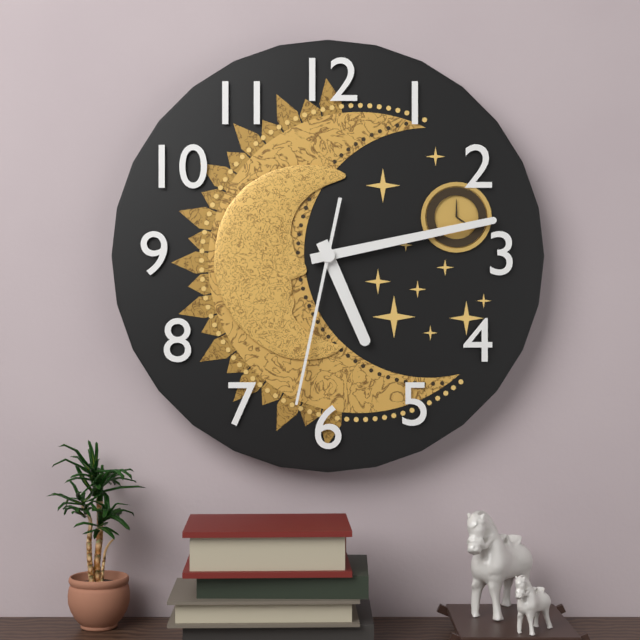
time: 5:13:32
